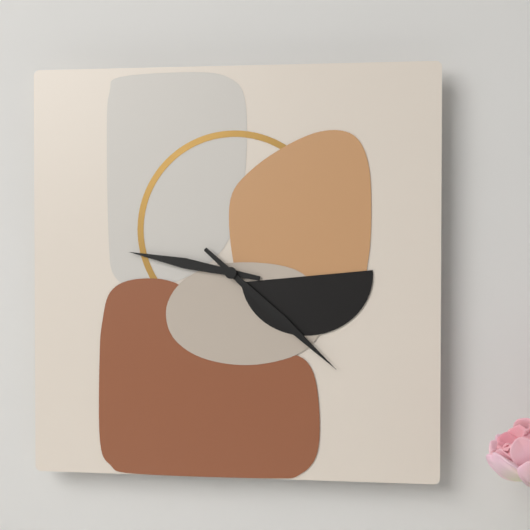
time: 9:22
